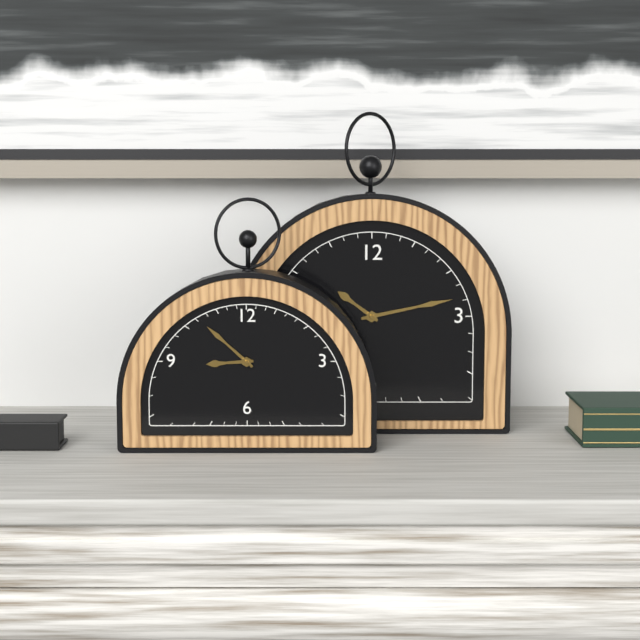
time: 8:52
